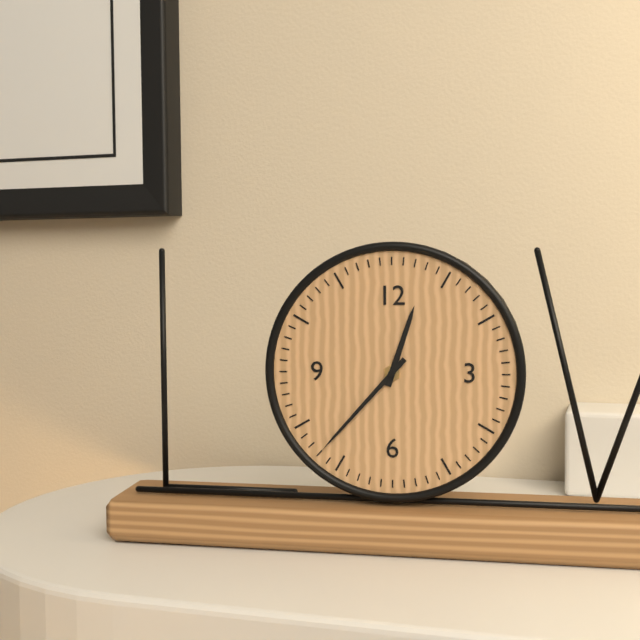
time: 12:37
